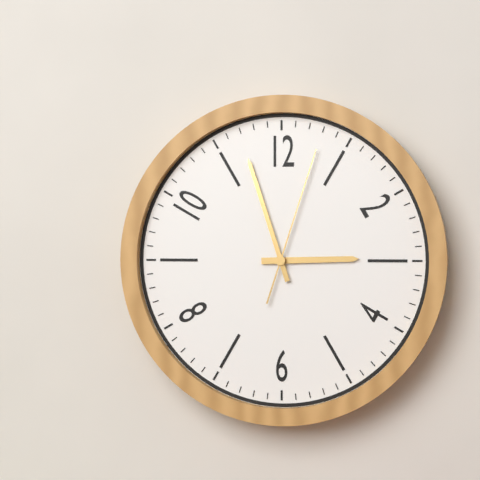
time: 2:57:03
